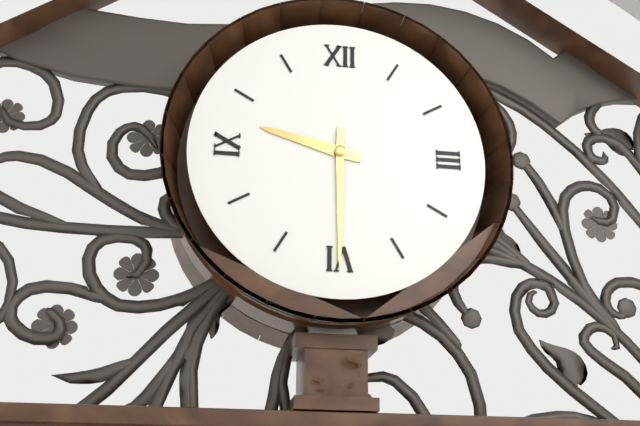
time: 9:30
